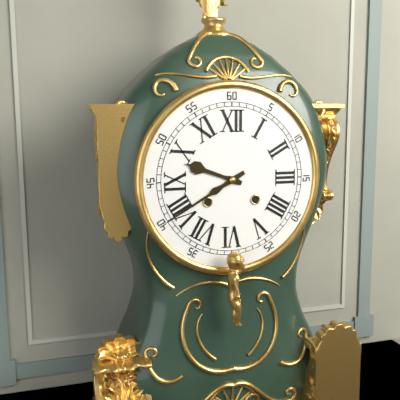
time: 9:40
